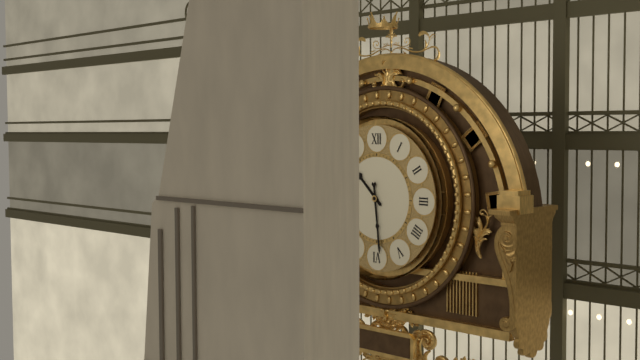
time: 10:29
